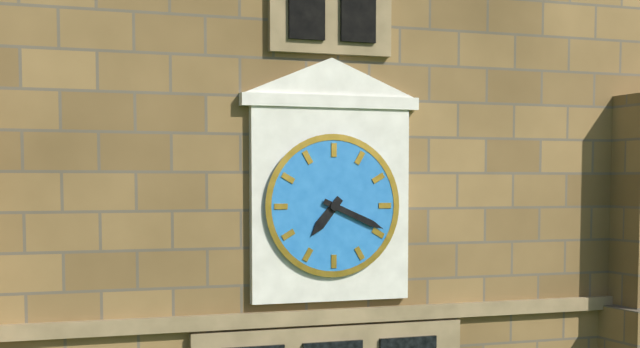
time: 7:19
